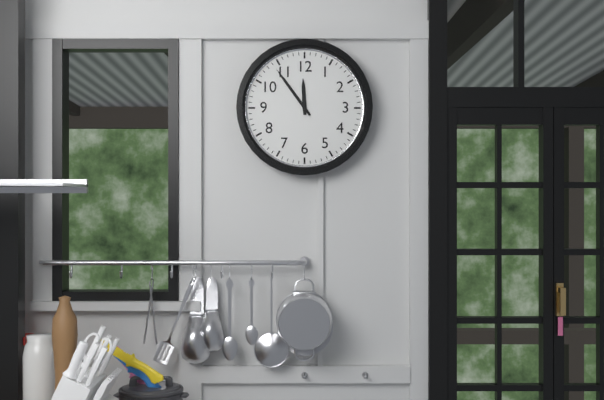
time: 11:54
